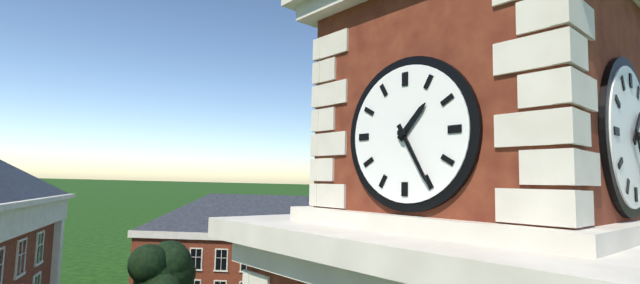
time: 1:25
